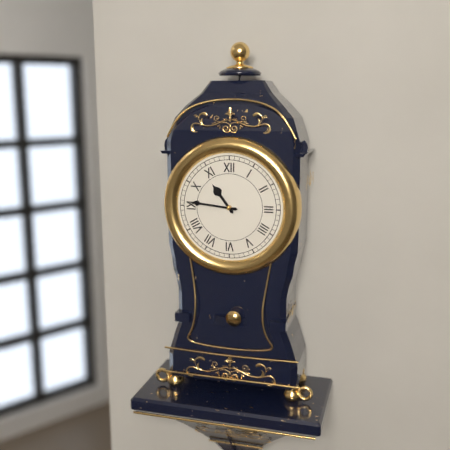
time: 10:46
